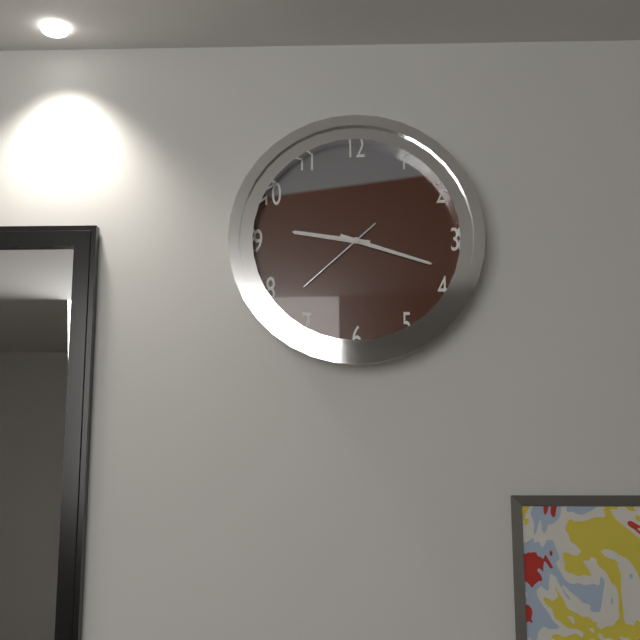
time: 9:18:38
